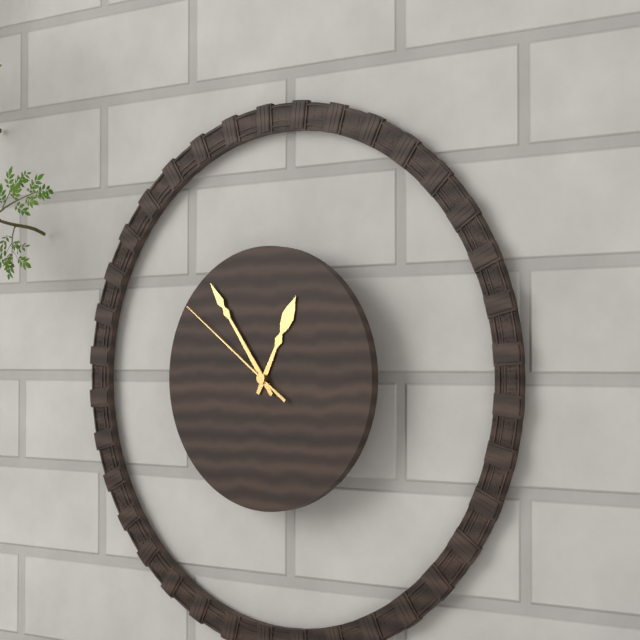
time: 12:54:51
